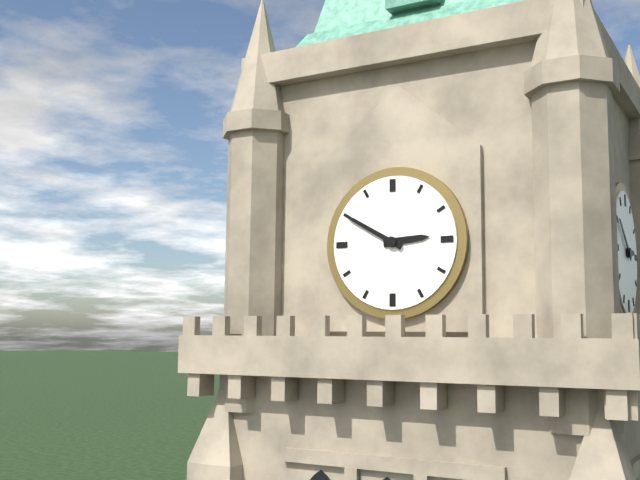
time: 2:50
